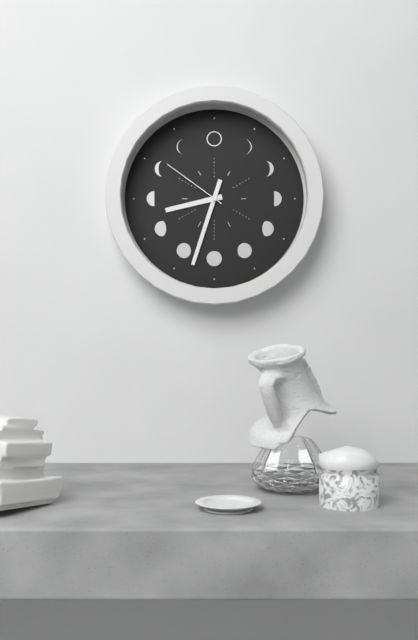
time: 8:33:51
